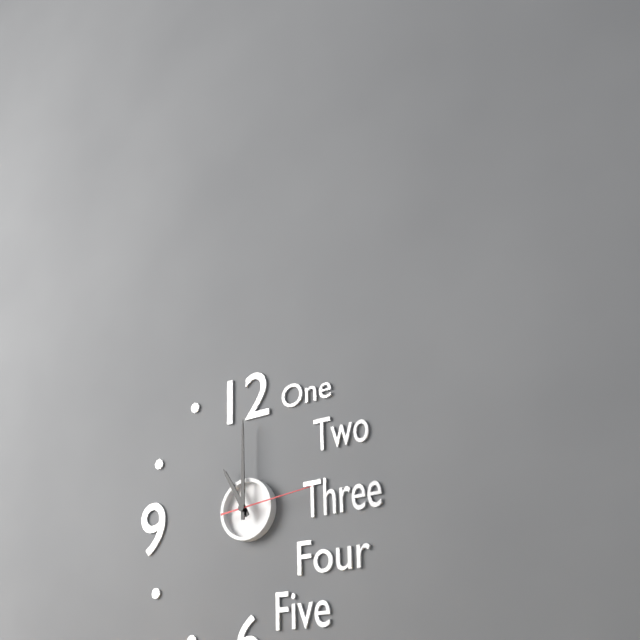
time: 11:00:14
